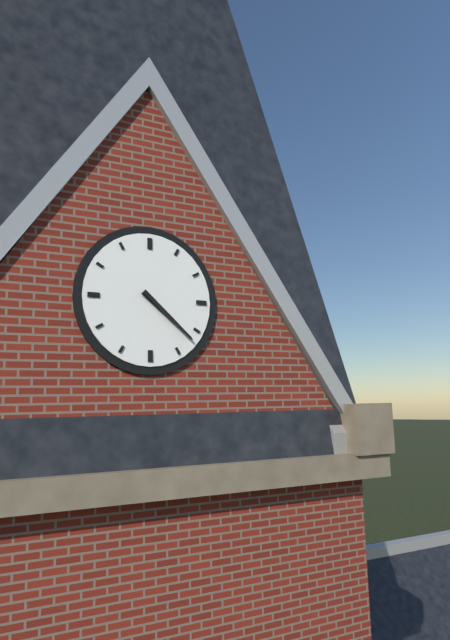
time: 4:22
